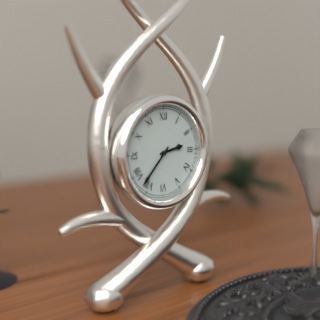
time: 2:37
